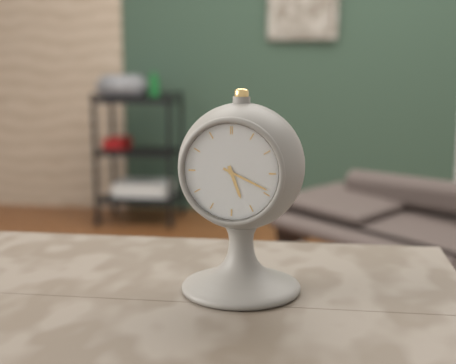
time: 5:19
